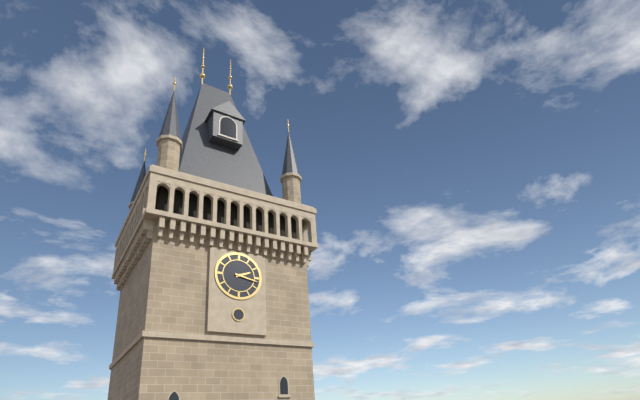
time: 2:17
